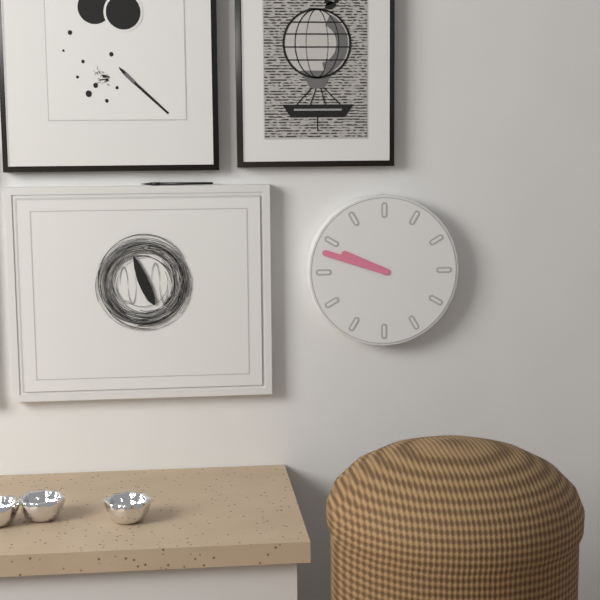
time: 9:48
